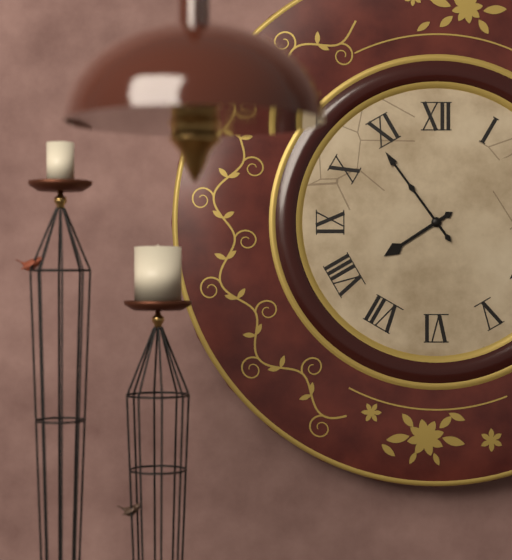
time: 7:54
